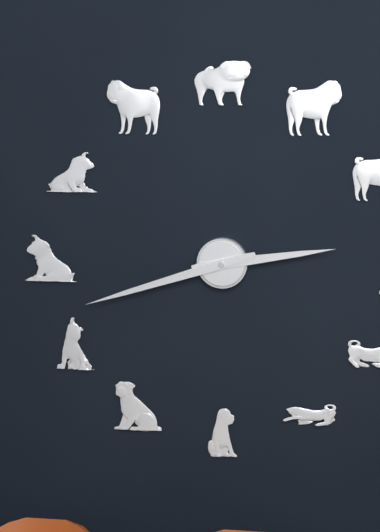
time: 2:42
